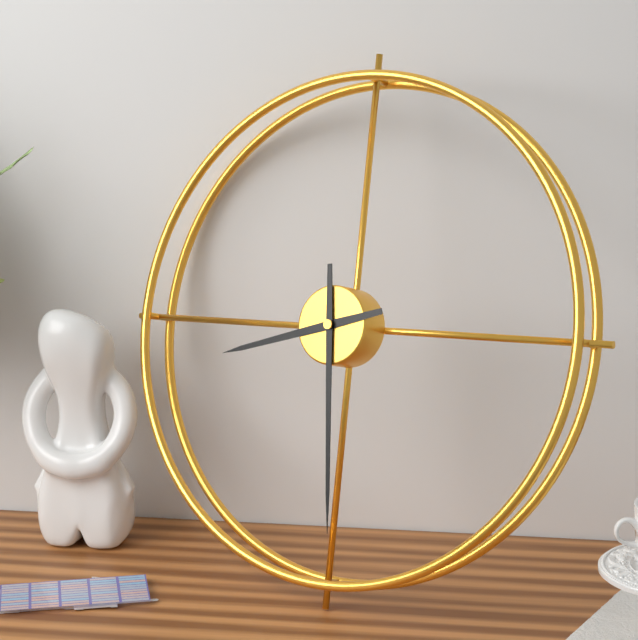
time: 8:29
